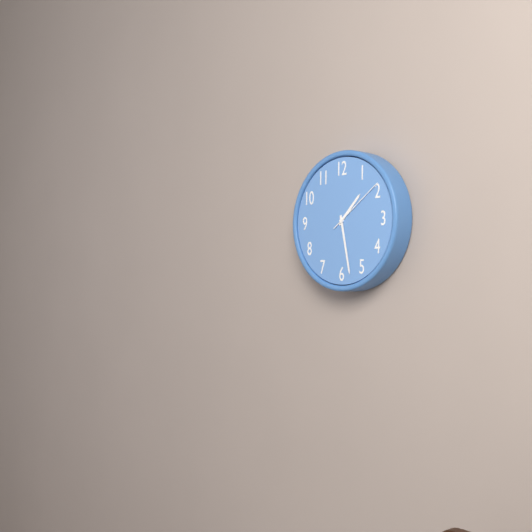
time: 1:28:09
